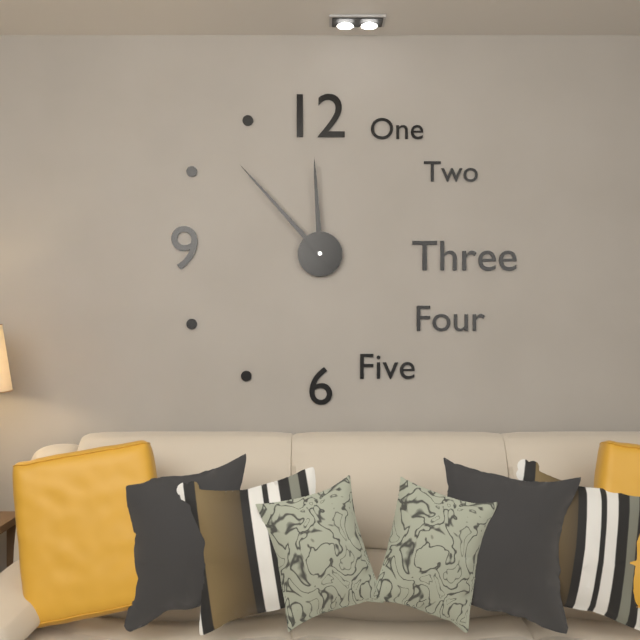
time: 11:53
